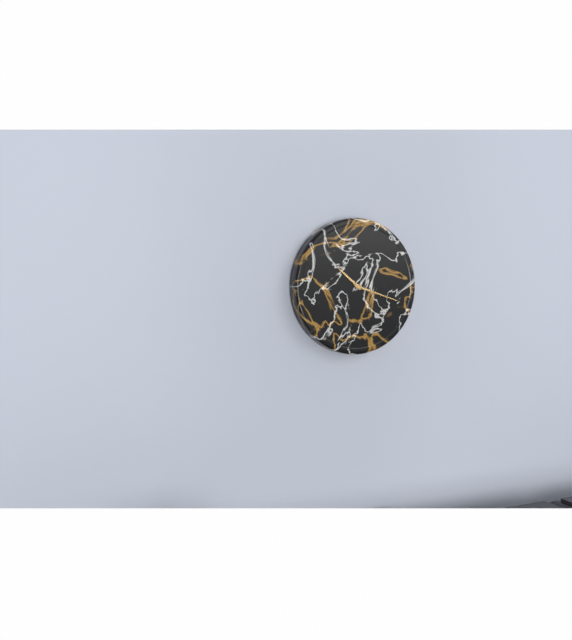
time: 10:18
